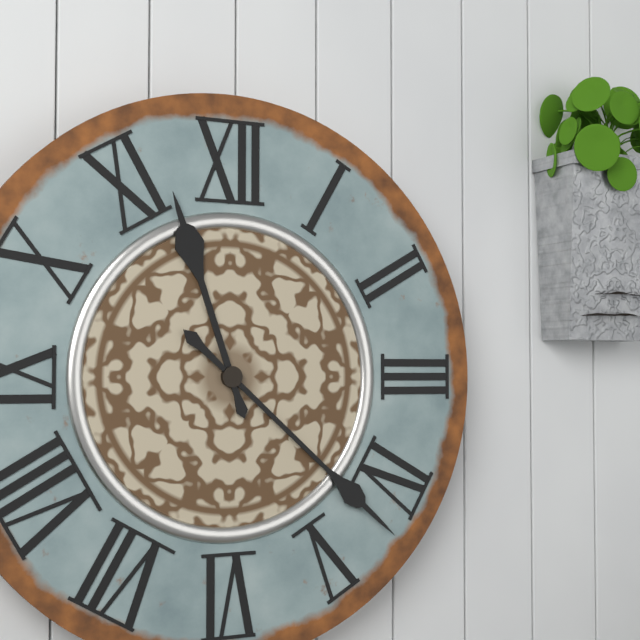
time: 11:22
